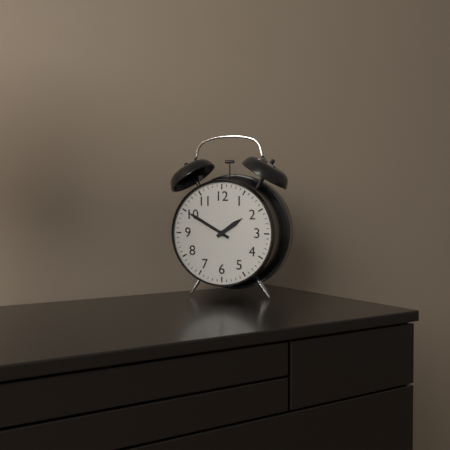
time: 1:50
